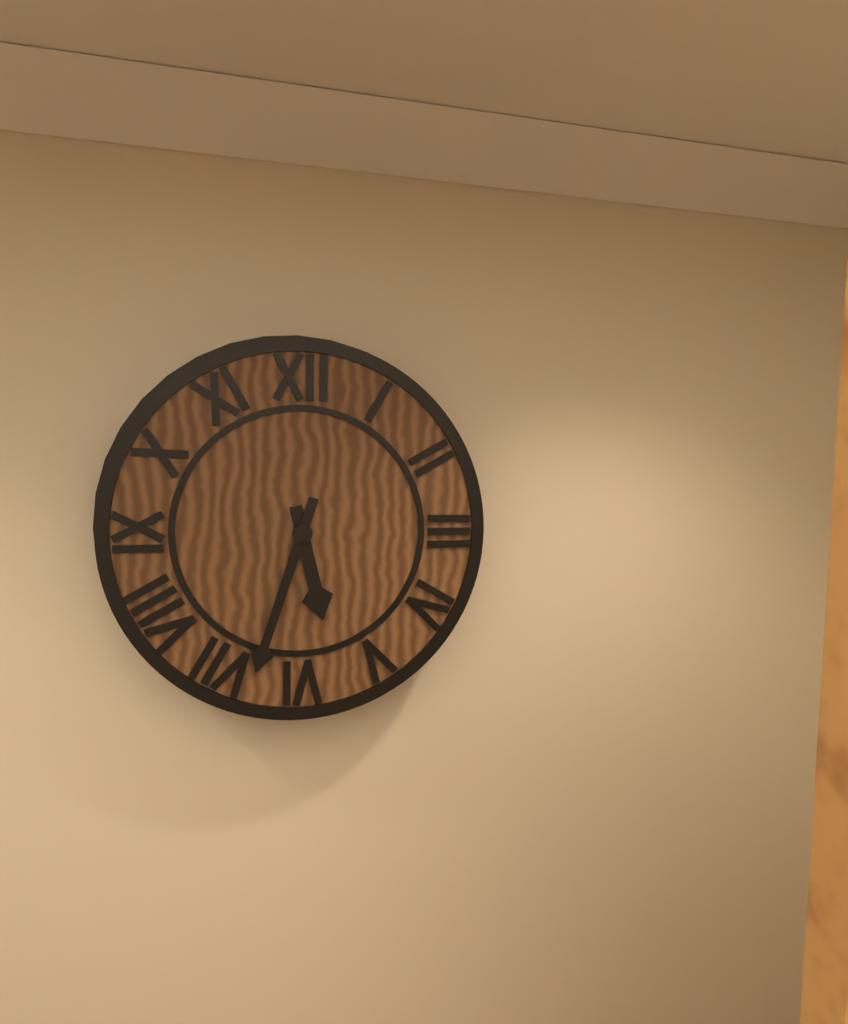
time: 5:33
